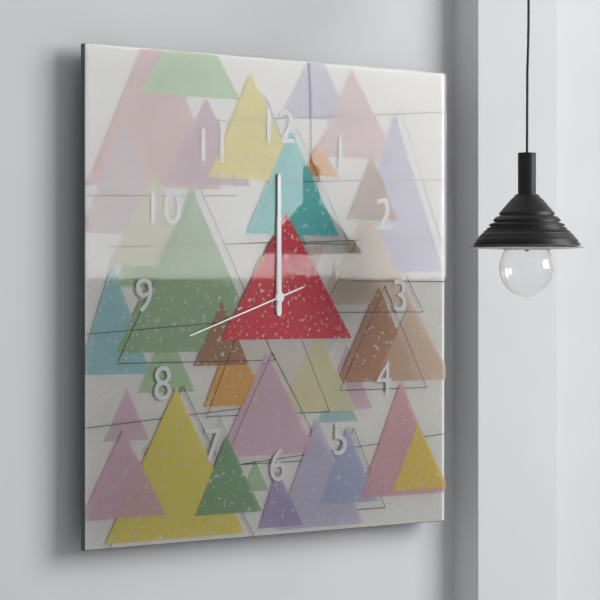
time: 12:00:42
